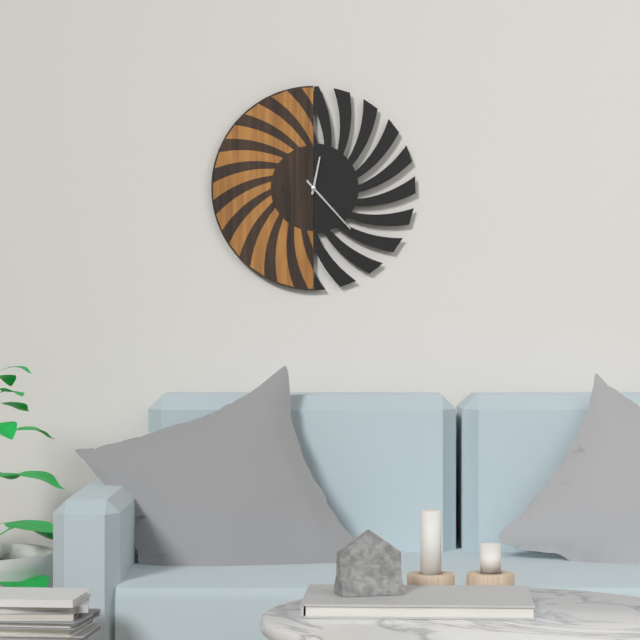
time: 12:23
